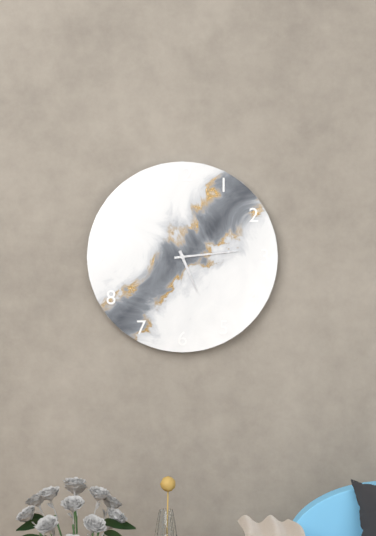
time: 5:14
